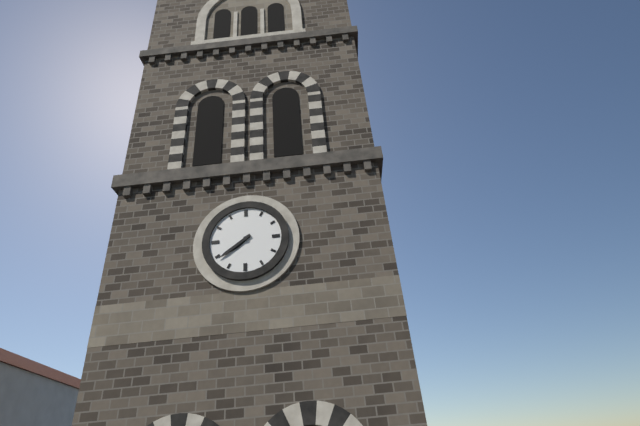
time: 7:39
